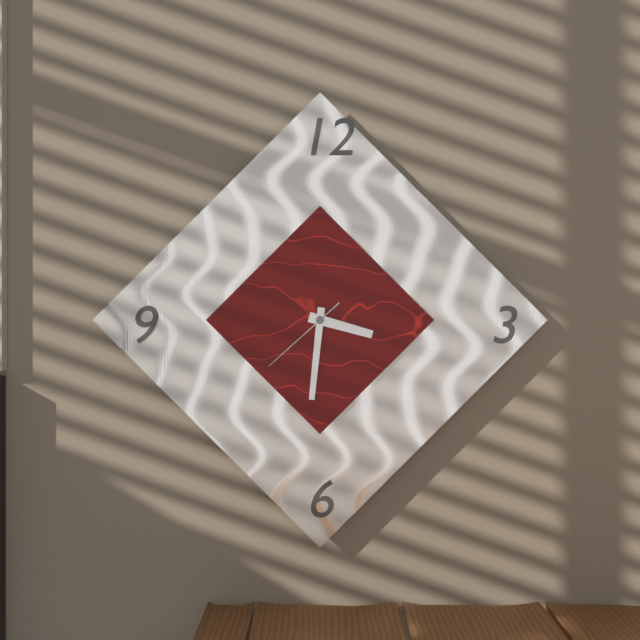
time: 3:31:38
